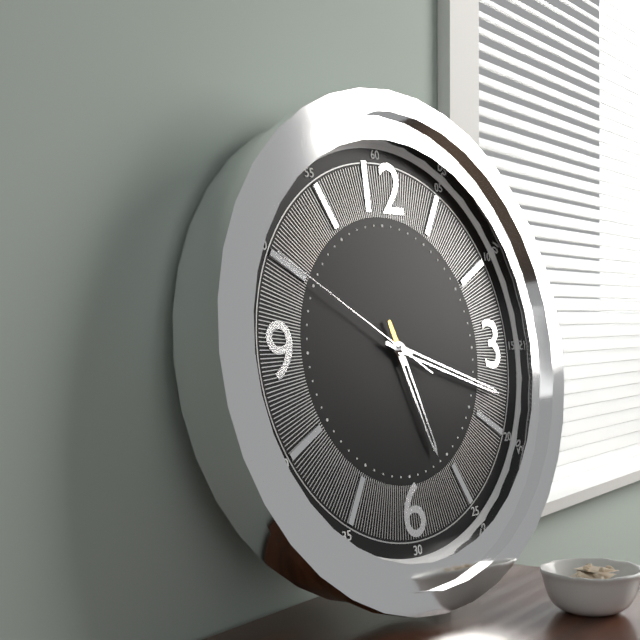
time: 5:18:50
